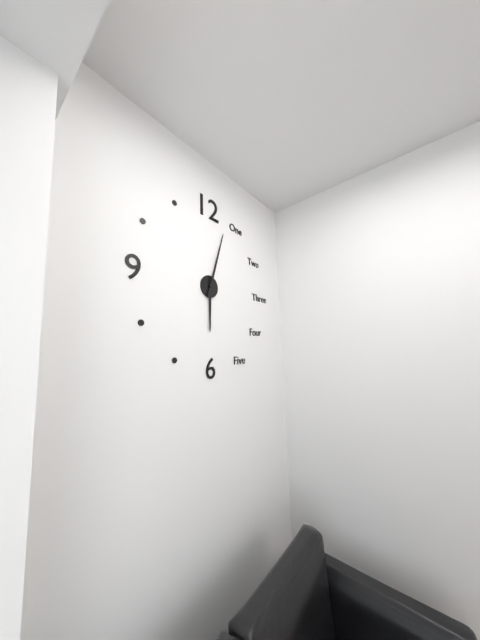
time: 6:03
